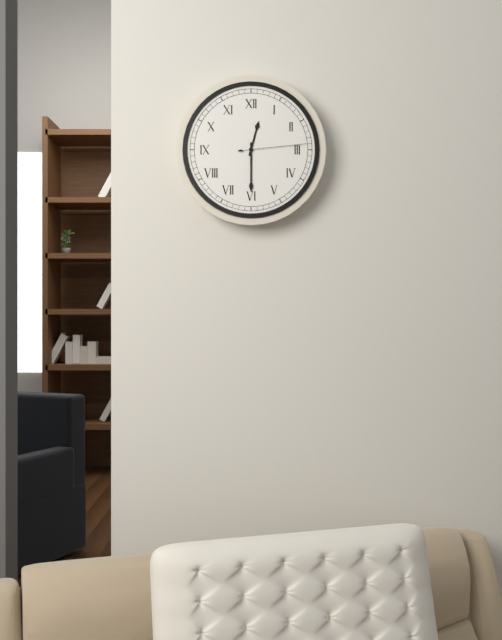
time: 12:30:14
